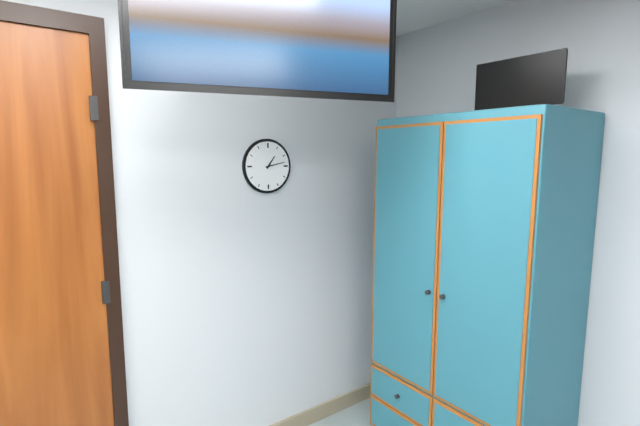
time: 1:13
